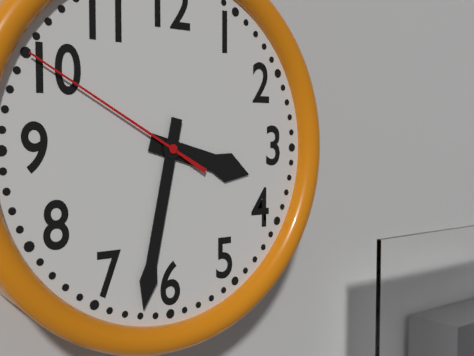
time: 3:32:50
